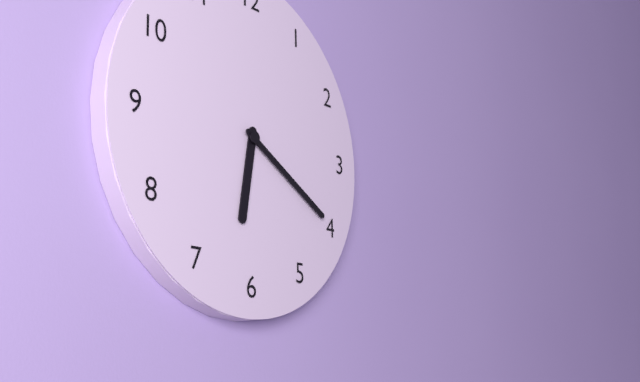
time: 6:20
